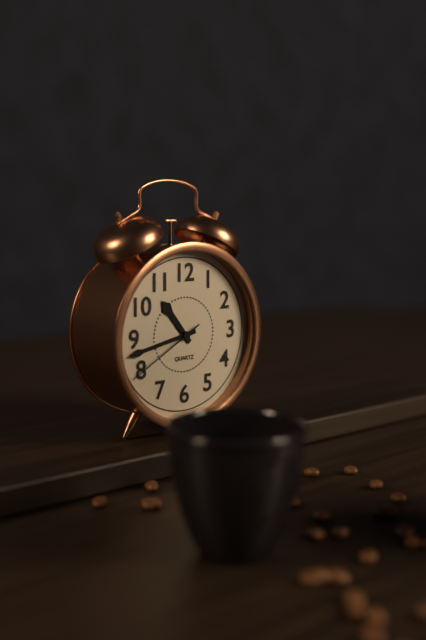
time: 10:43:40
